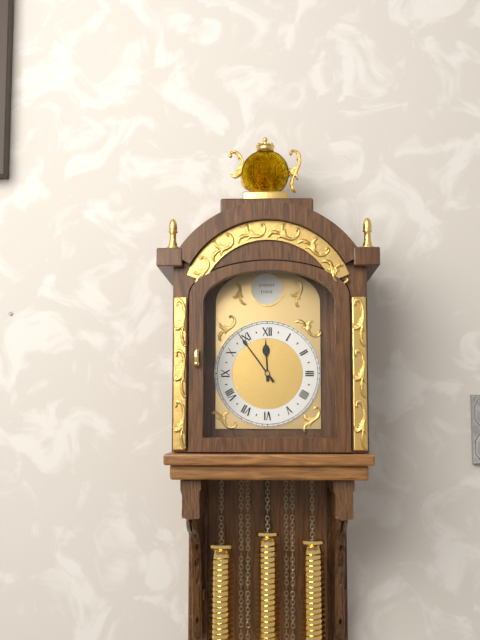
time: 11:54
